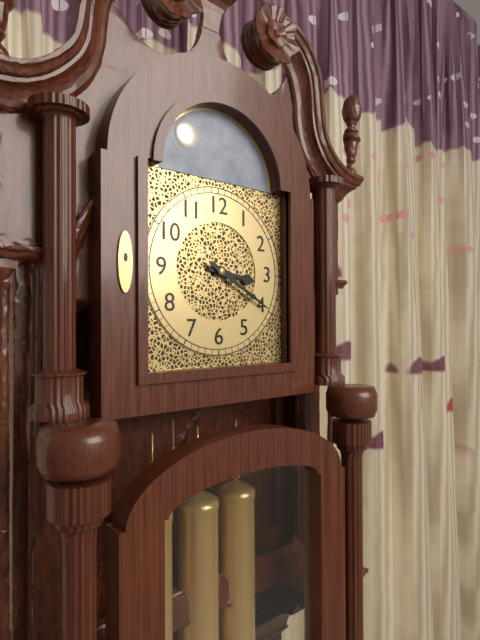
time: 3:20
